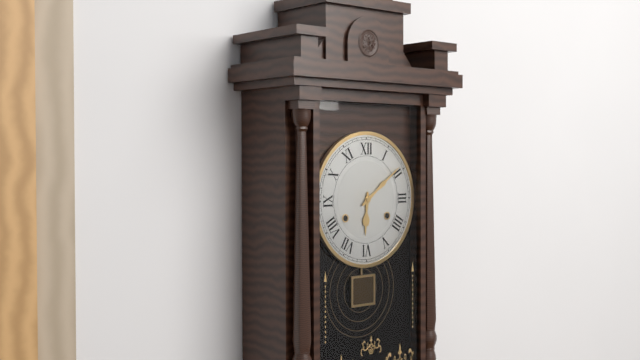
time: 6:09
